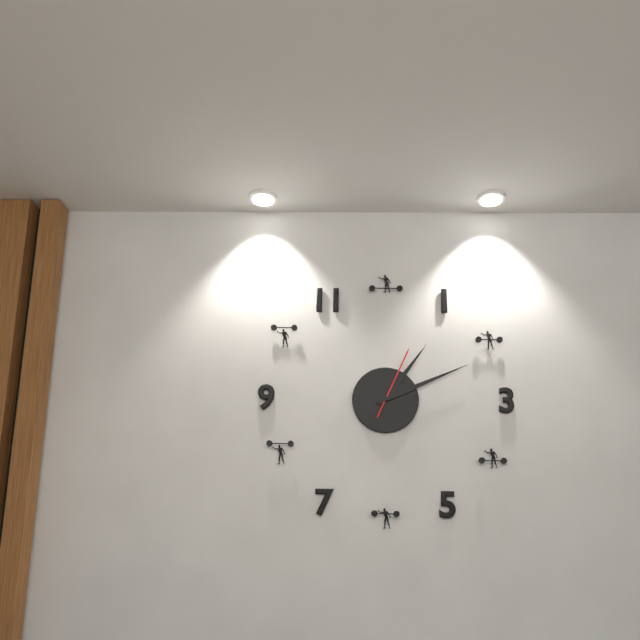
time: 1:11:04
